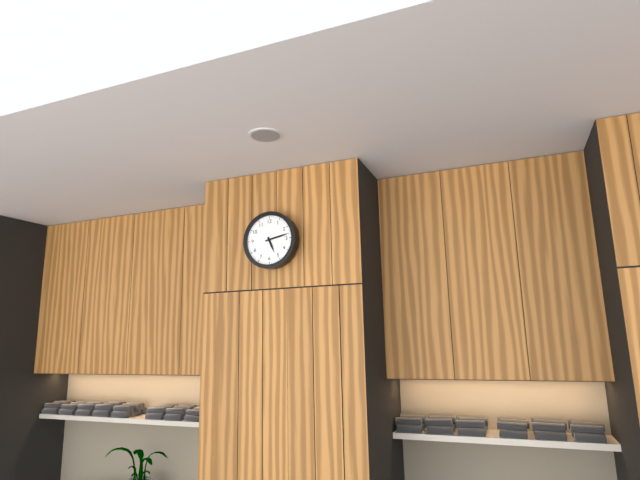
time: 5:13
